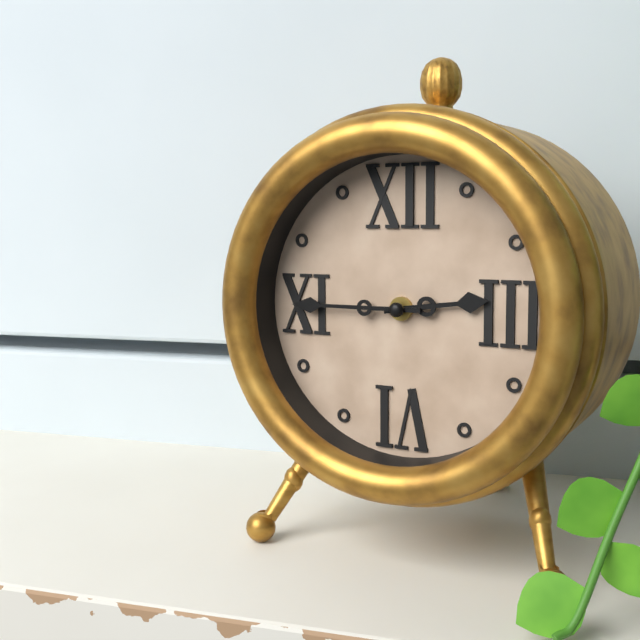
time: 2:45
